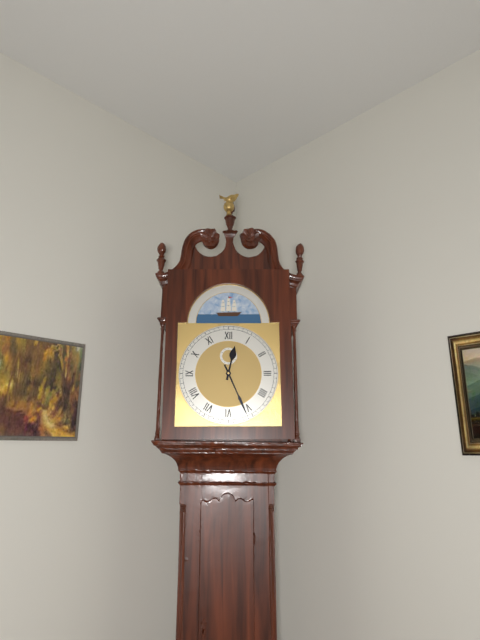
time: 12:26
